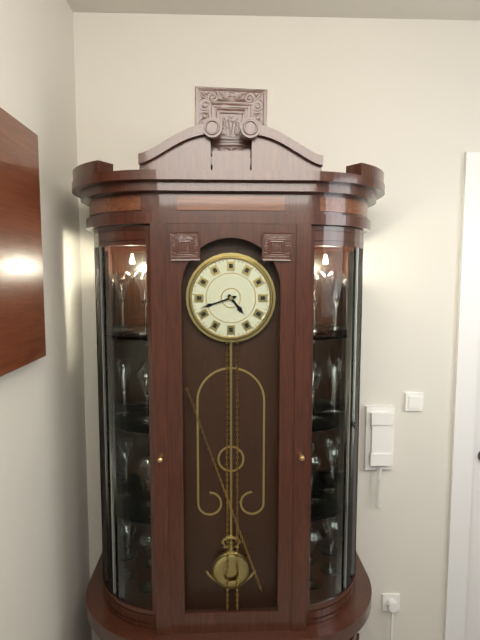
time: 4:42
